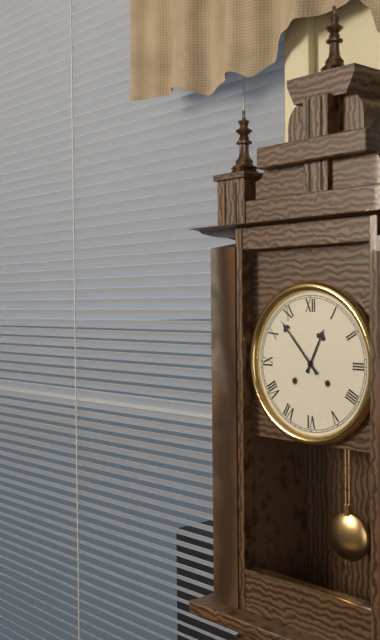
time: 12:53
